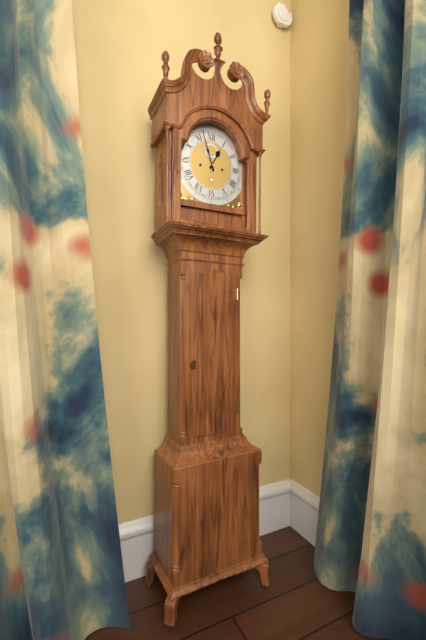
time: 12:57
